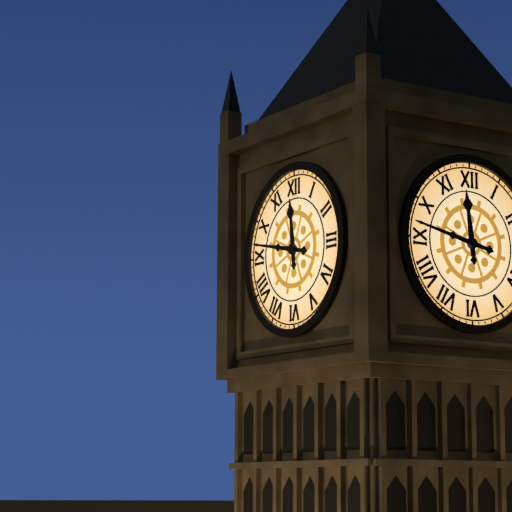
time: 11:47
